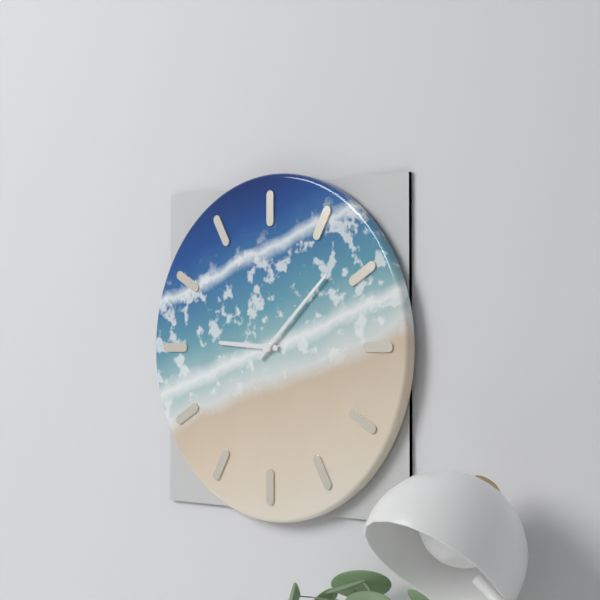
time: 9:08
